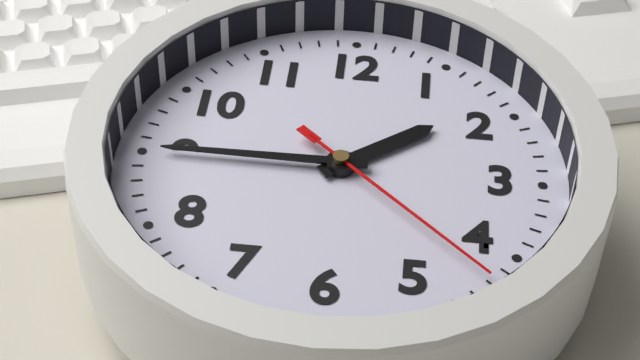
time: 1:45:22
